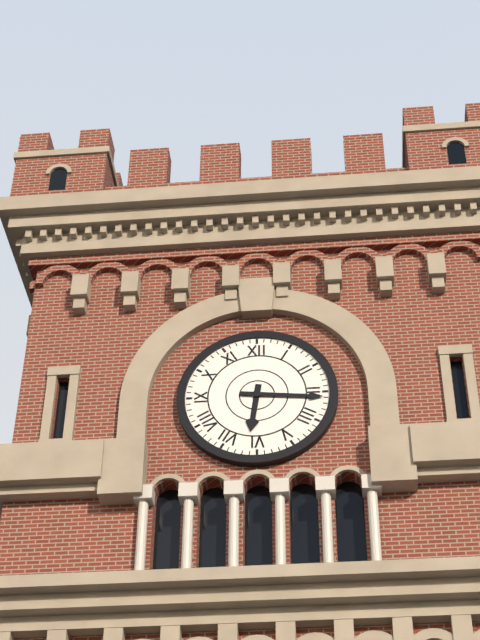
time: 6:16
